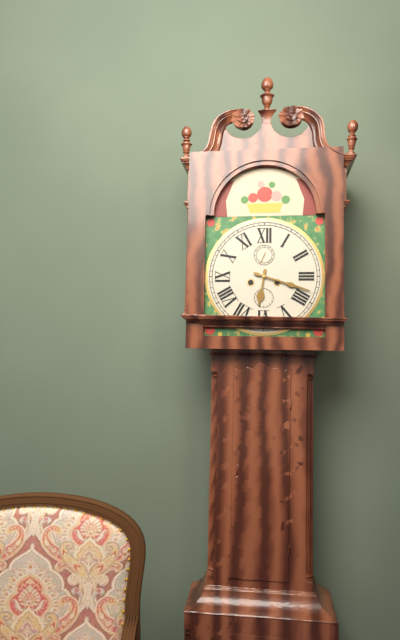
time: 6:18
